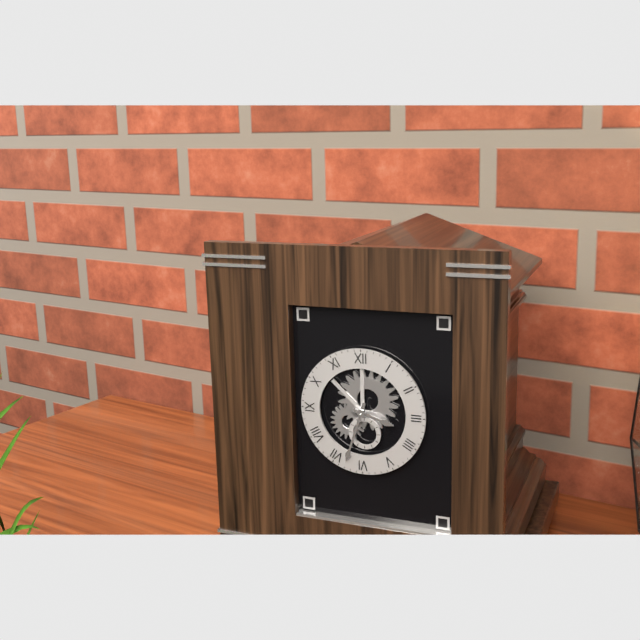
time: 3:33
